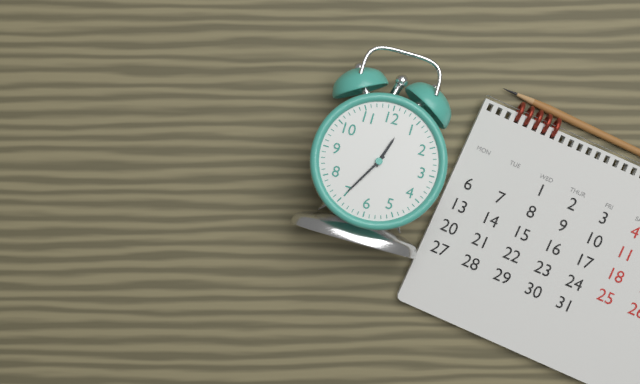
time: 12:35
